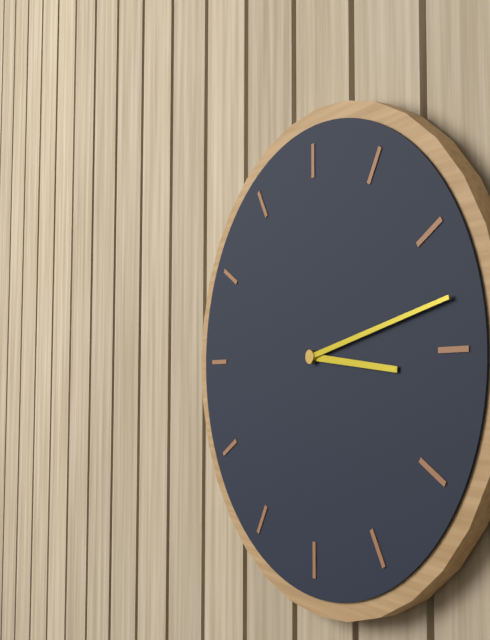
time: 3:13
